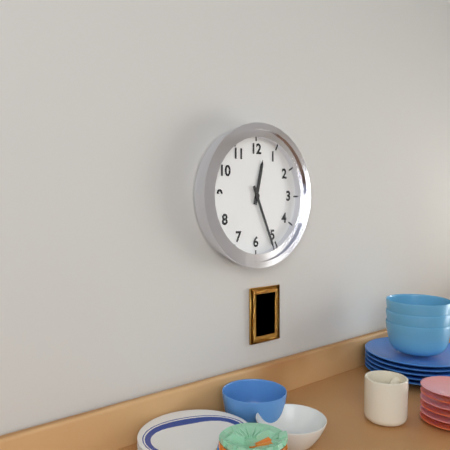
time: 12:26
